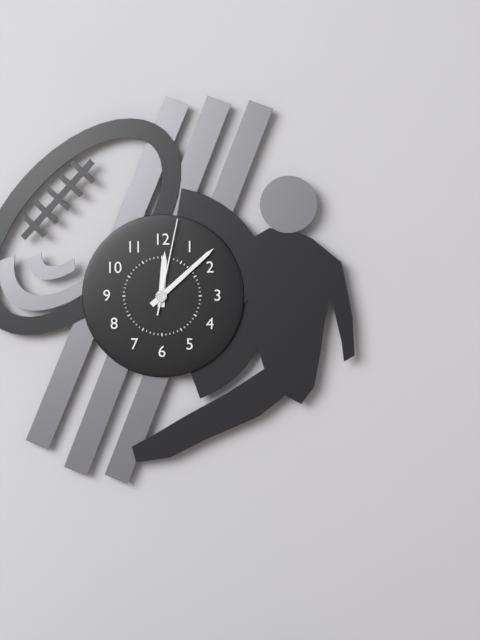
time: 12:08:02
